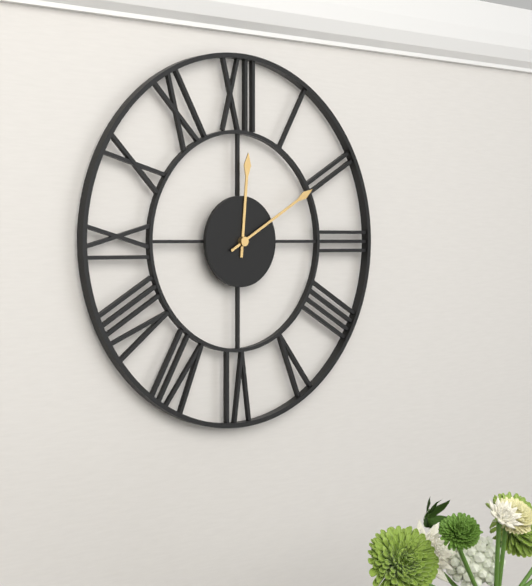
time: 12:10
